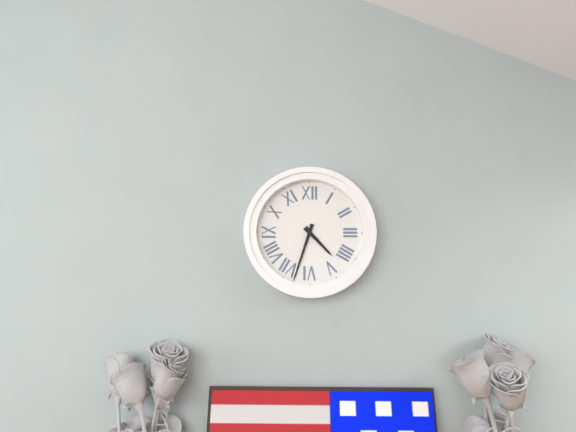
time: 4:33
